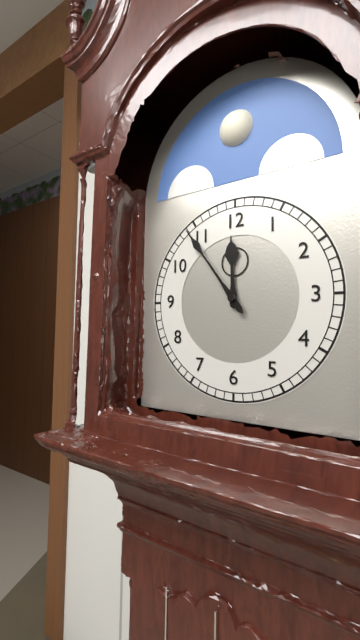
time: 11:54
